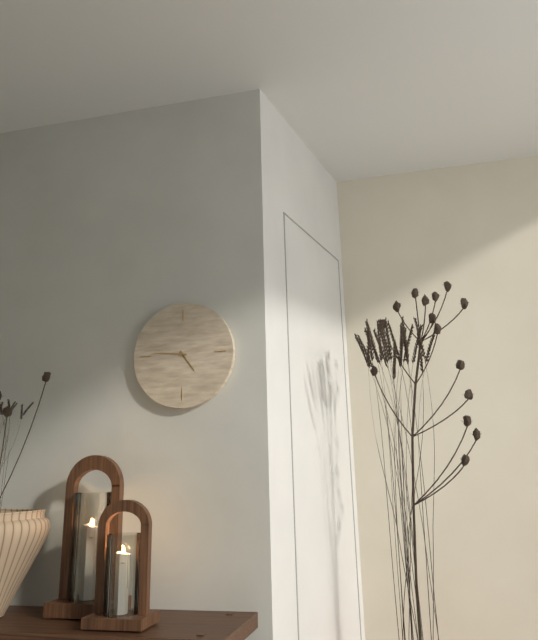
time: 4:46
